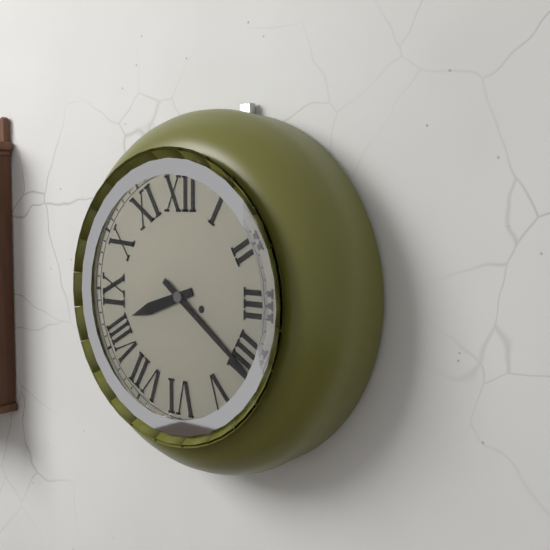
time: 8:21
